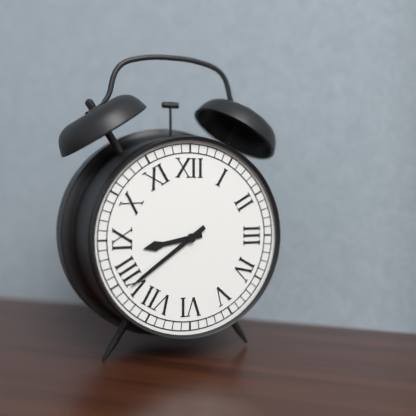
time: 8:39
